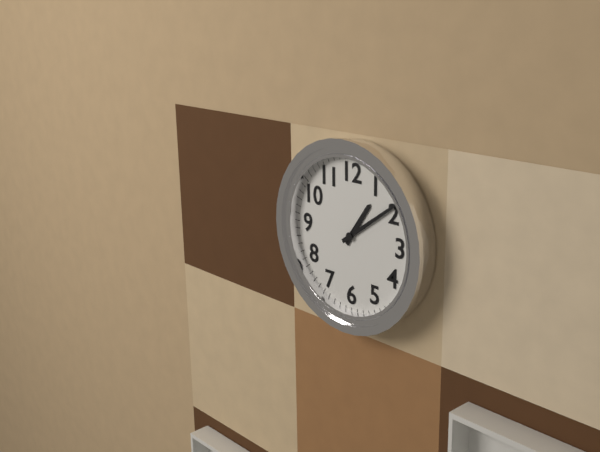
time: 1:09
